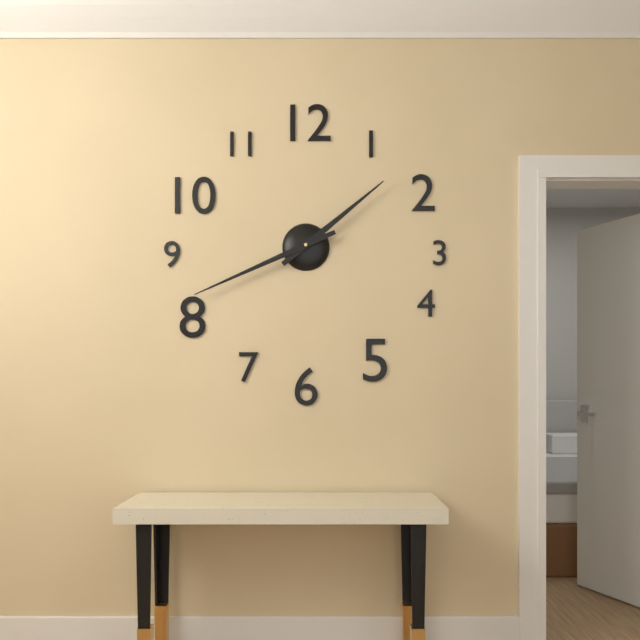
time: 1:41
